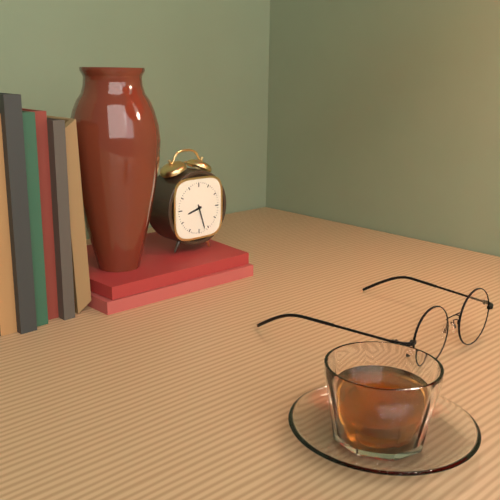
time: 8:27
